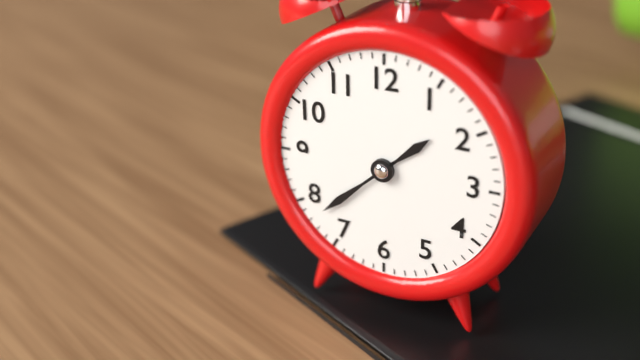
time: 1:38
